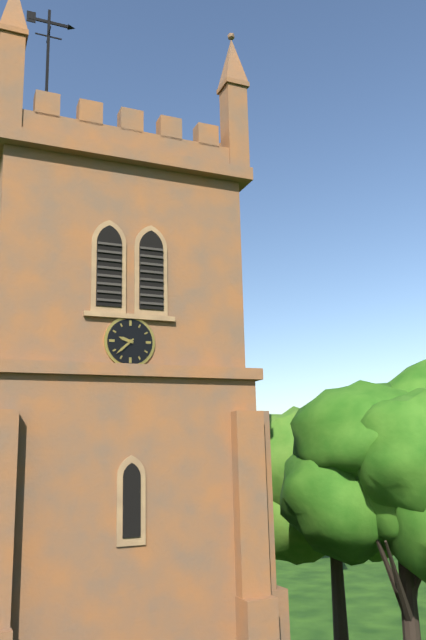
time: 9:38
